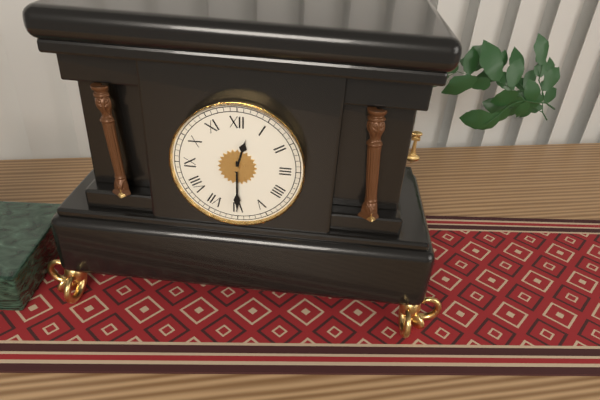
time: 12:30
